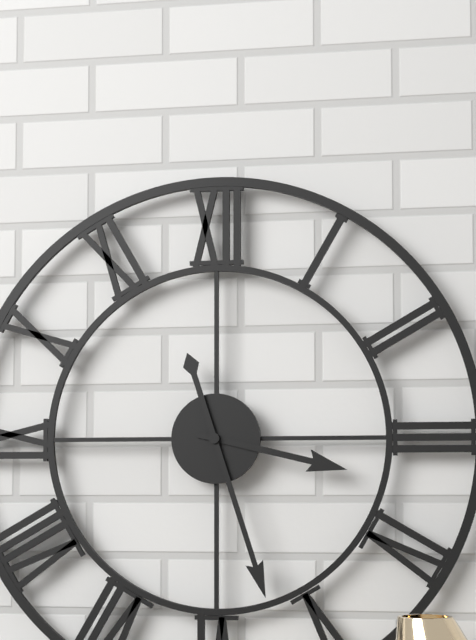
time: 3:27
